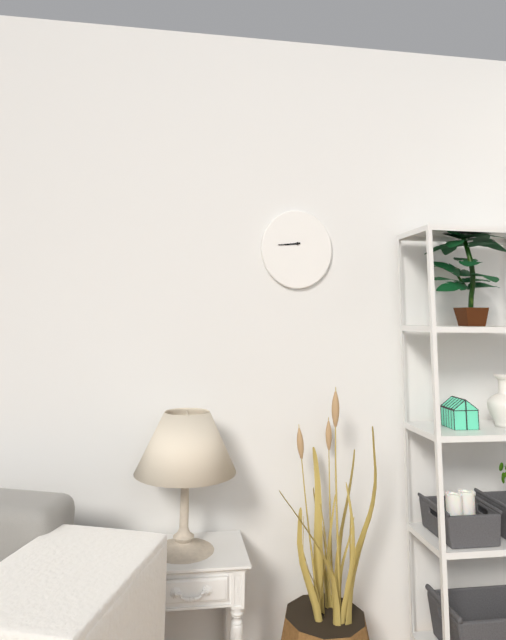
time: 8:44
